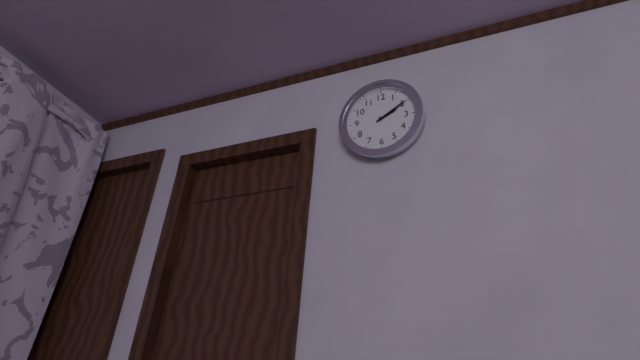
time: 2:10
